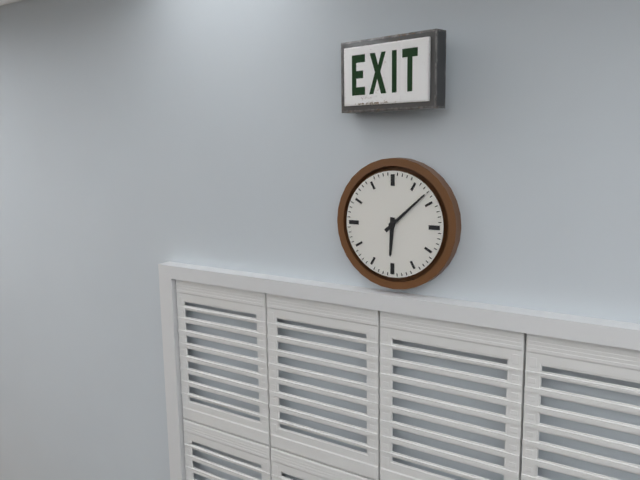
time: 6:08
